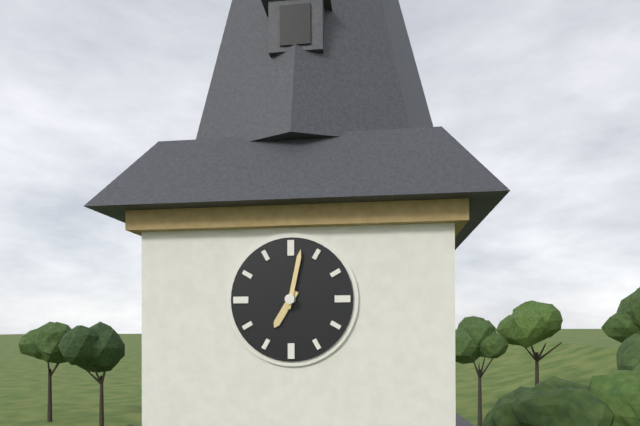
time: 7:02
